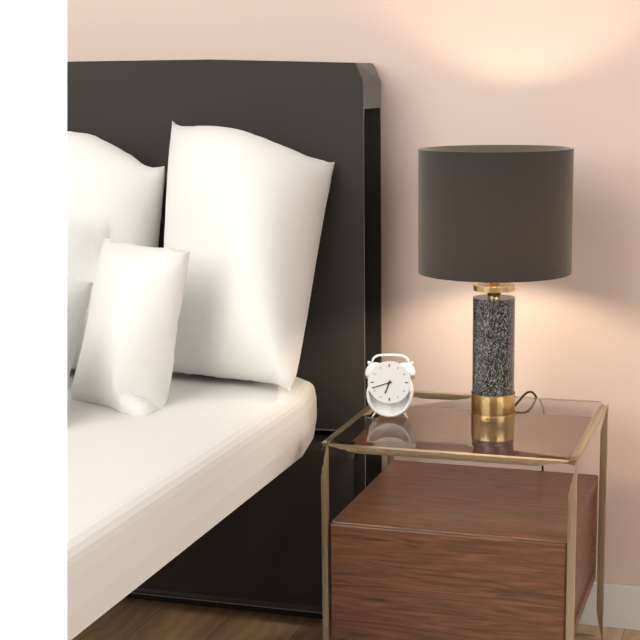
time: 6:42
